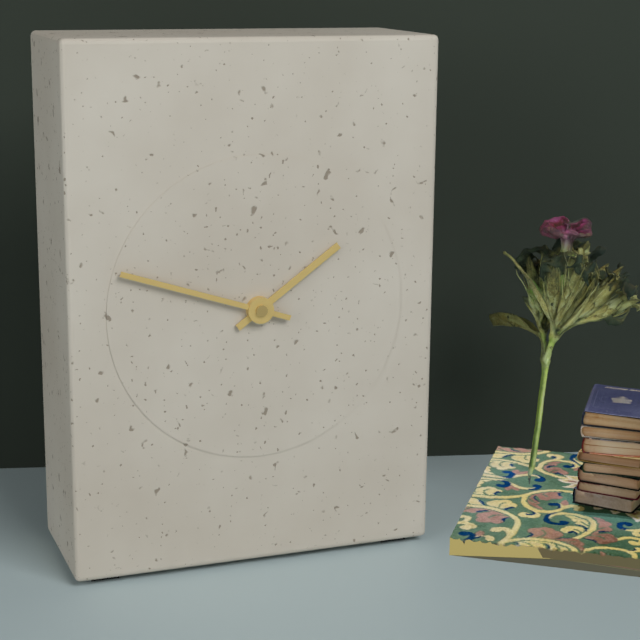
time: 1:48
